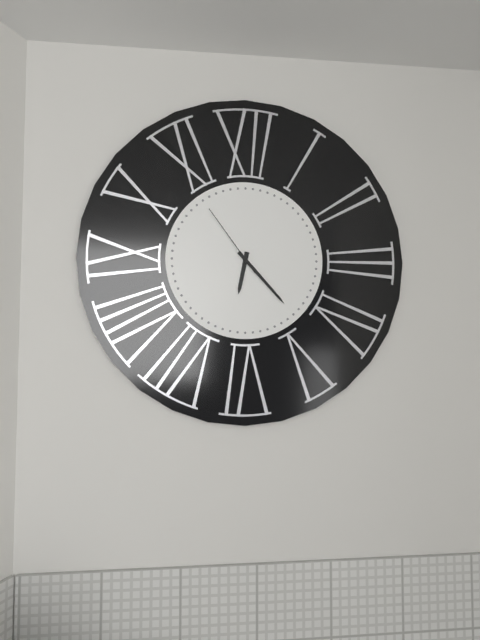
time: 6:23:54
